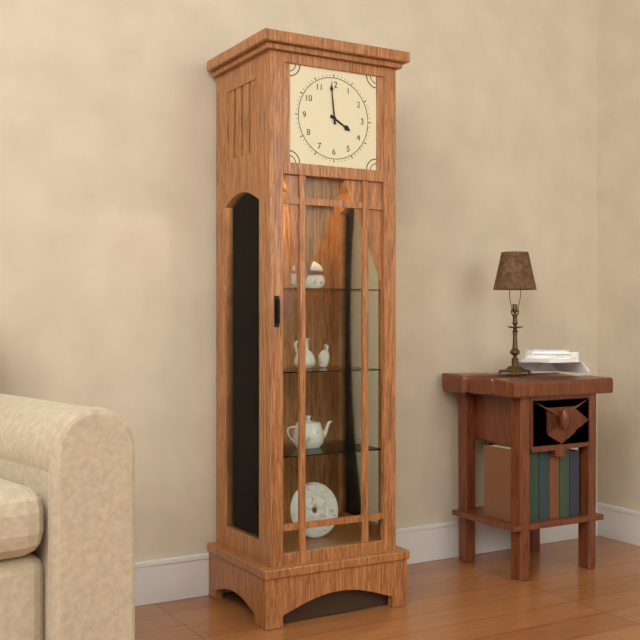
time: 3:59
